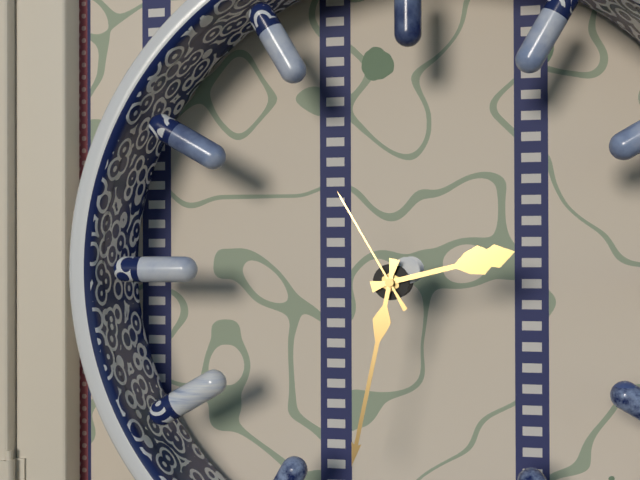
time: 2:32:55
